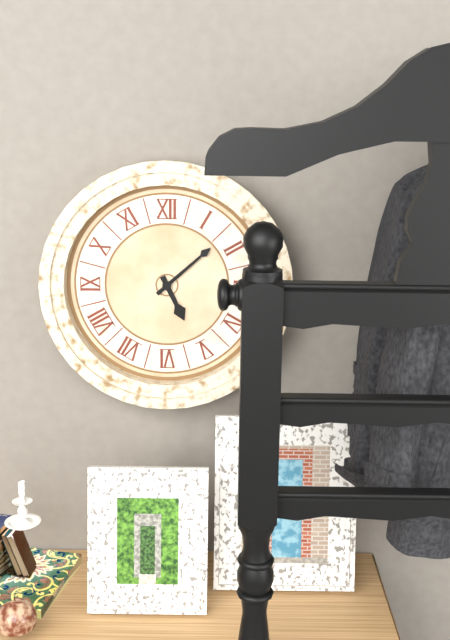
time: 5:08
